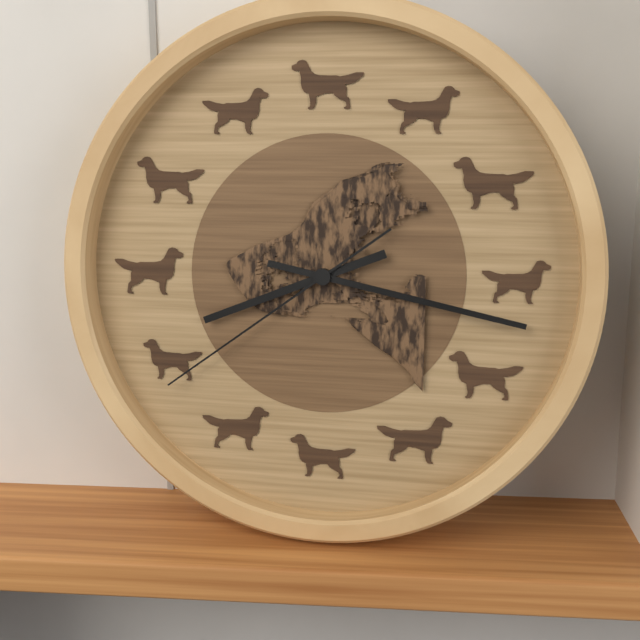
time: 8:17:39
